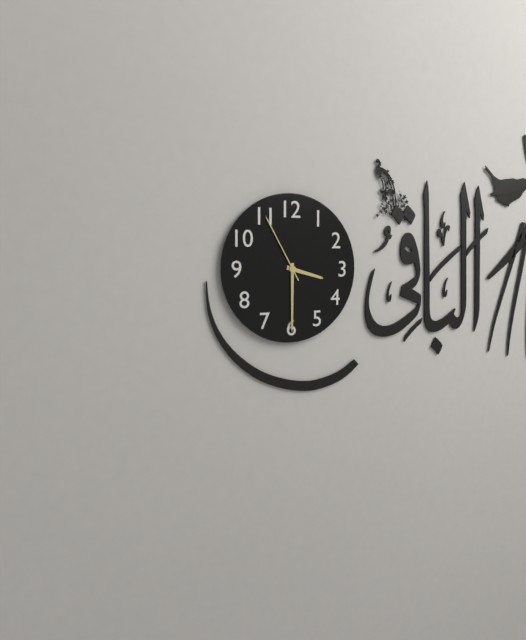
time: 3:30:55
